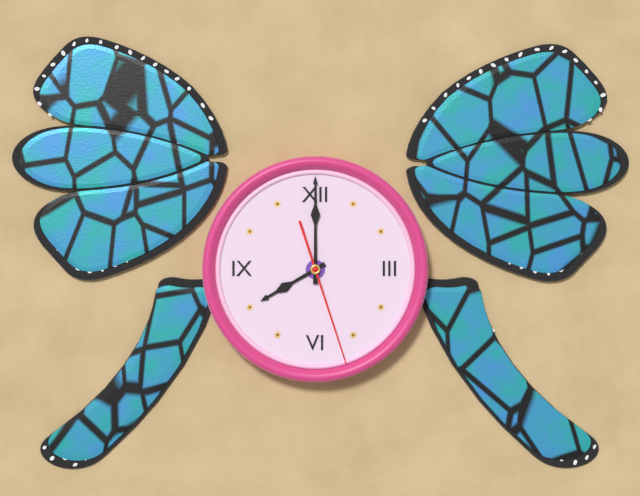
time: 8:00:27
